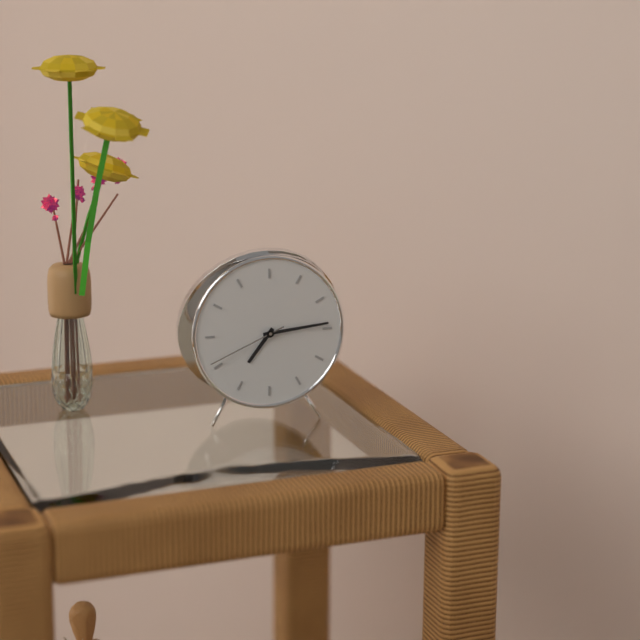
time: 7:14:41
